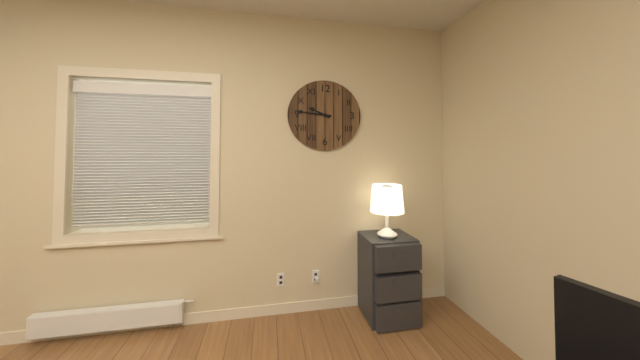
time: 9:46
